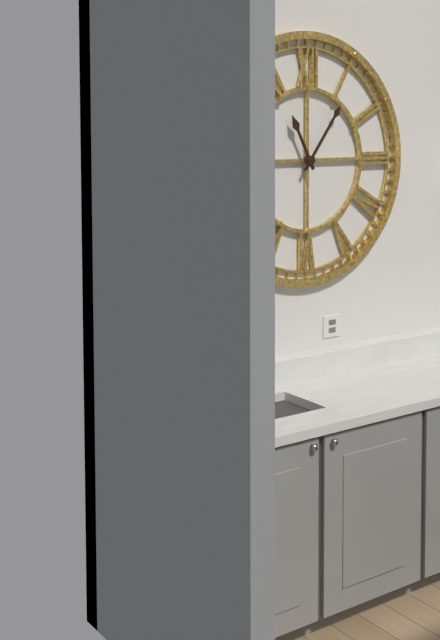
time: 11:06
